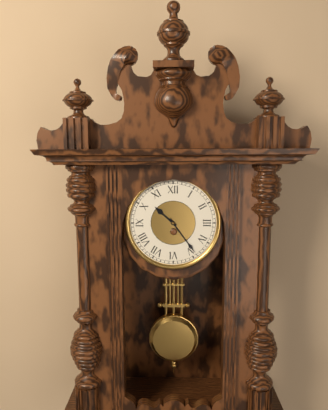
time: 10:24
